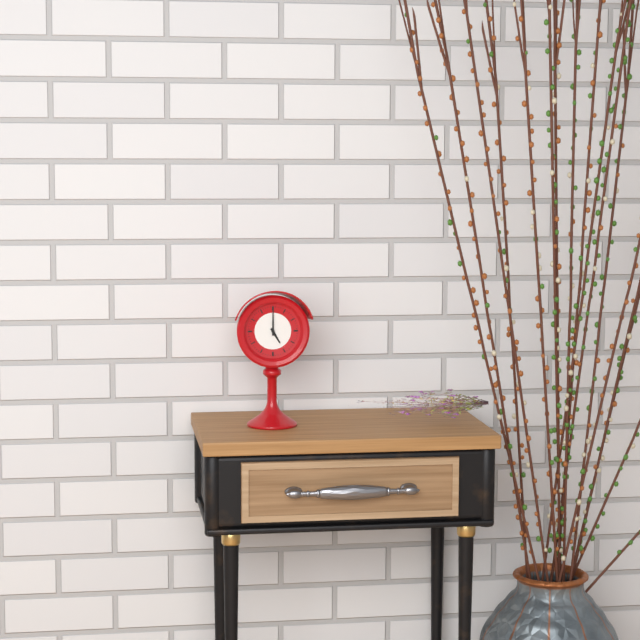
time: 5:00
